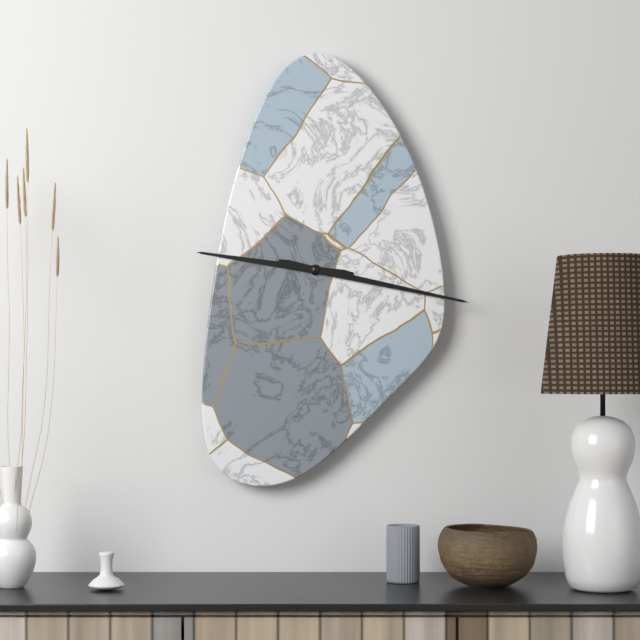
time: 9:17
